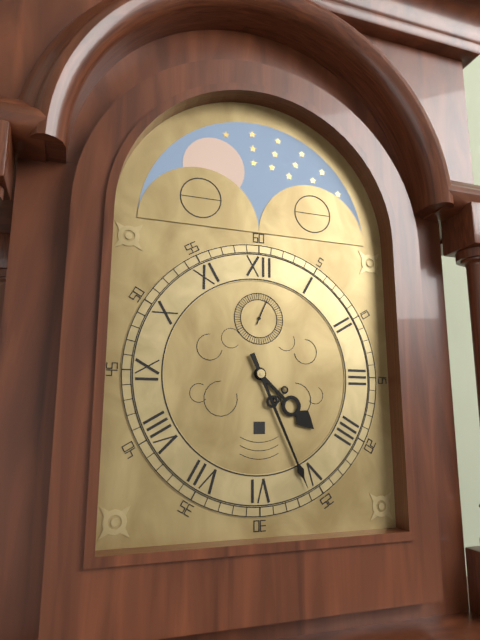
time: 4:26
